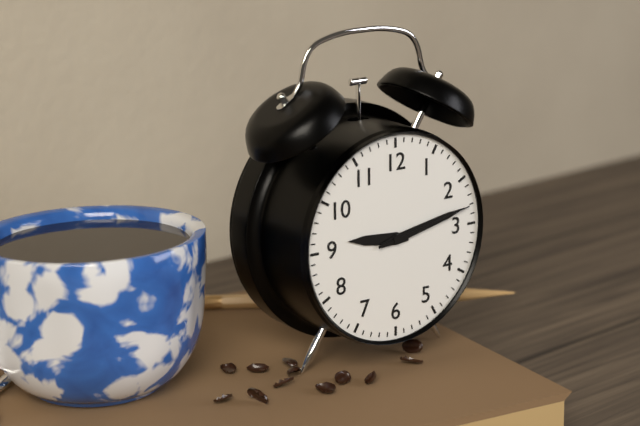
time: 9:13:13
